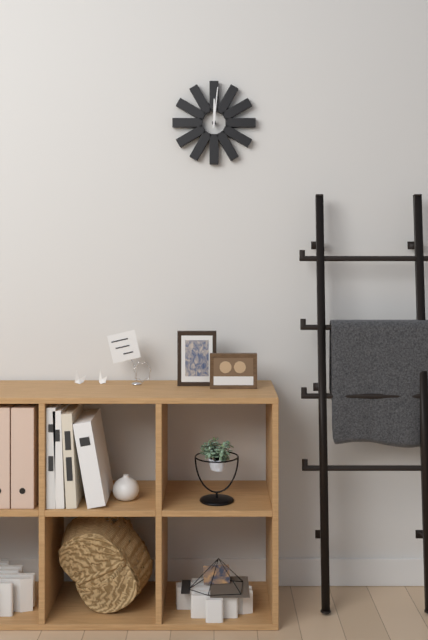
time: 12:01
